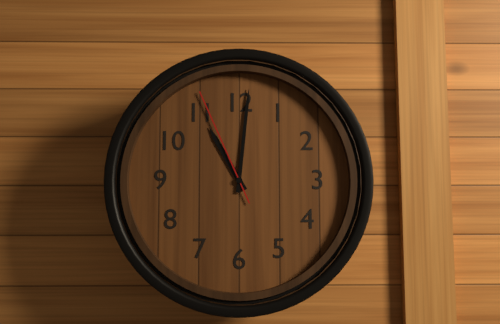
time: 11:01:56
